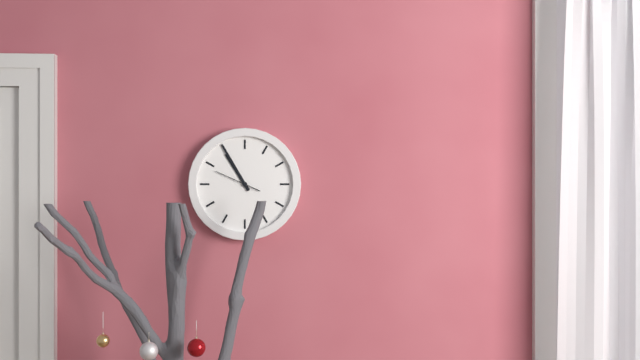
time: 10:55
